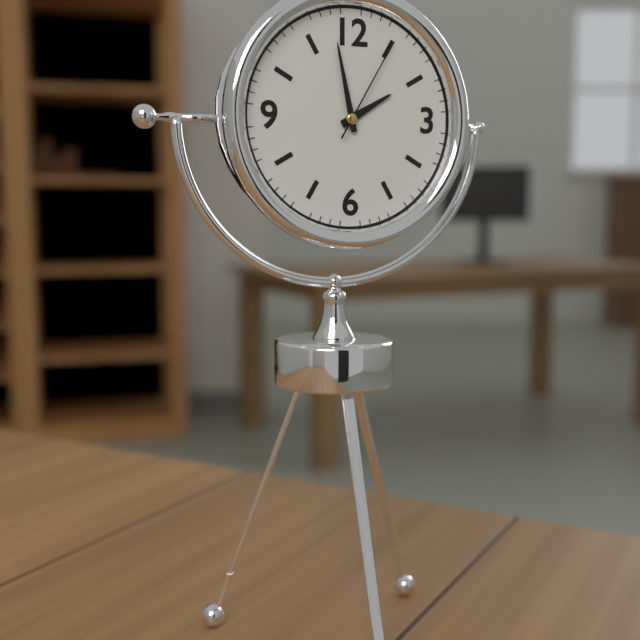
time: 1:58:05
